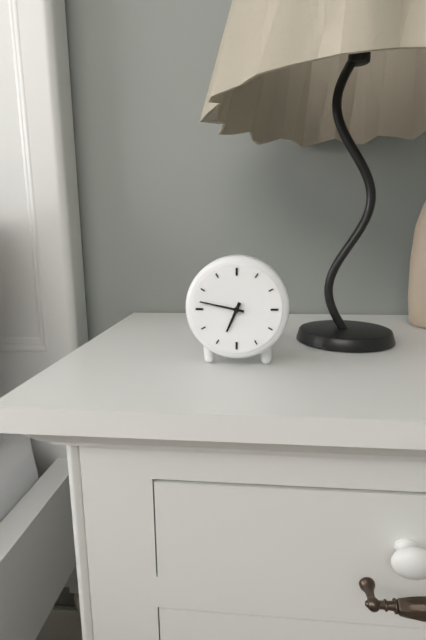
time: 6:47
